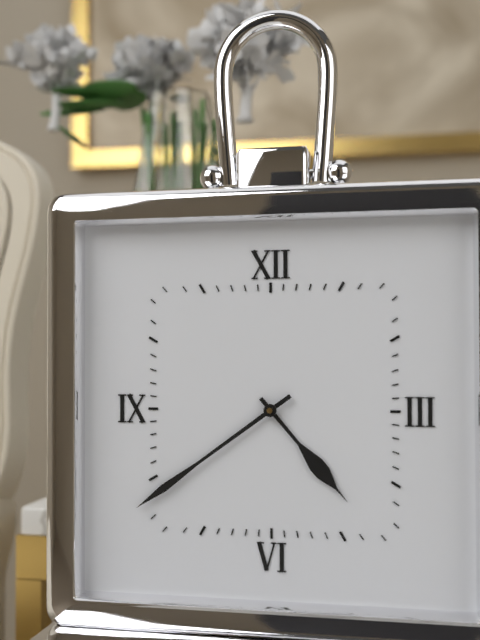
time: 4:39
